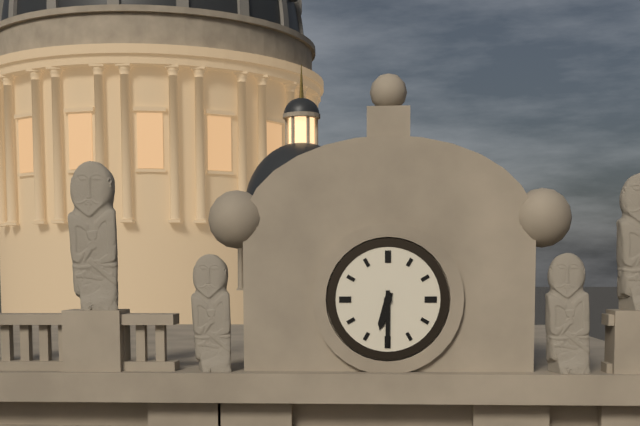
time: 6:30
